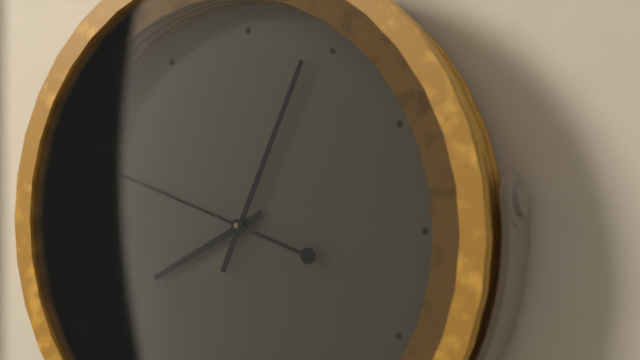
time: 8:04:48
